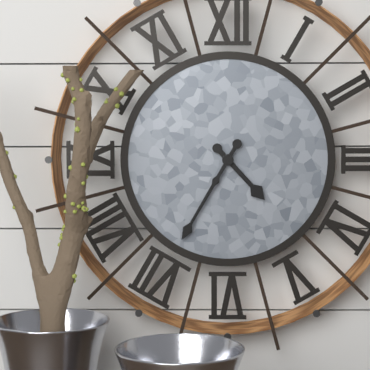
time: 4:35
